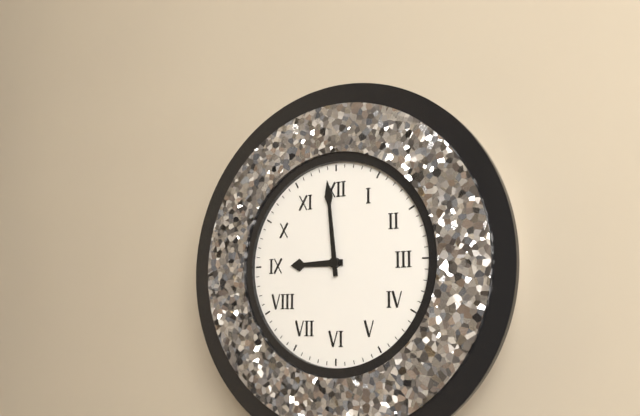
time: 8:59
